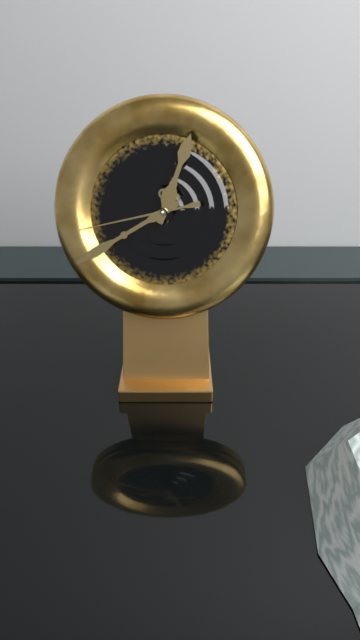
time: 12:40:43
